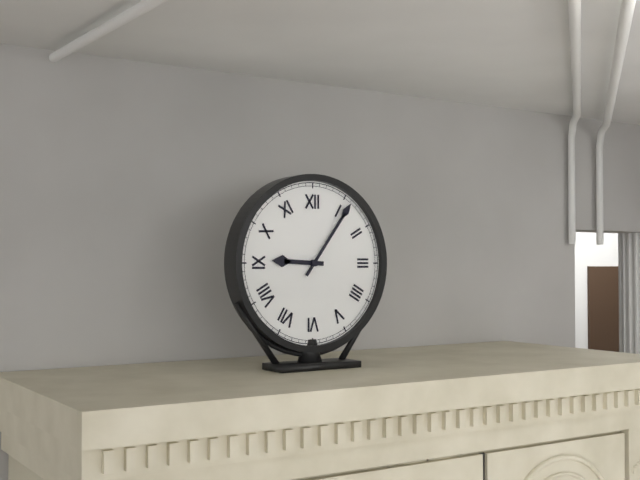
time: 9:06
